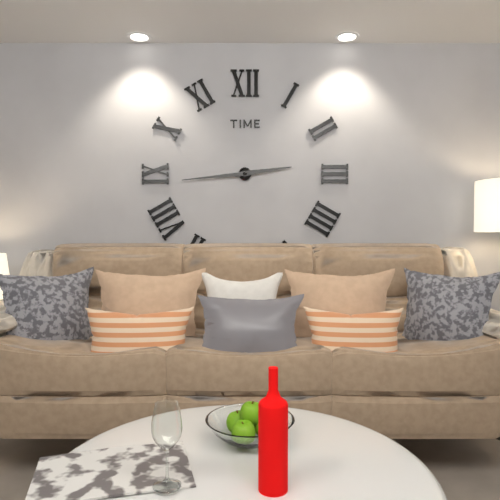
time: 2:44
